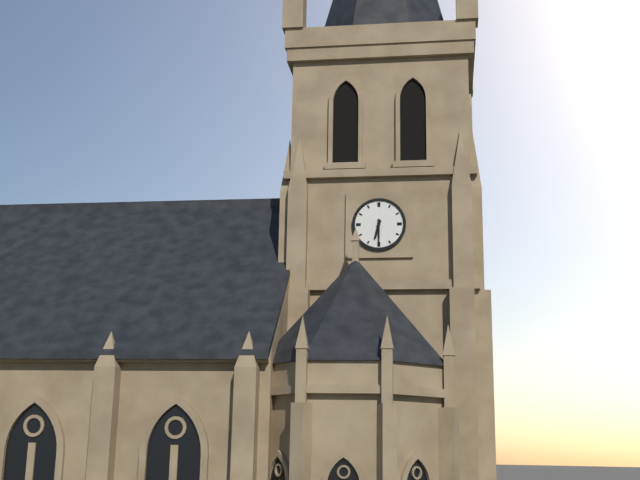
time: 6:30
